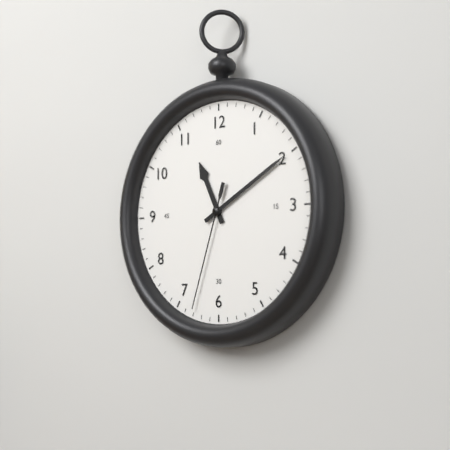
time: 11:10:33
